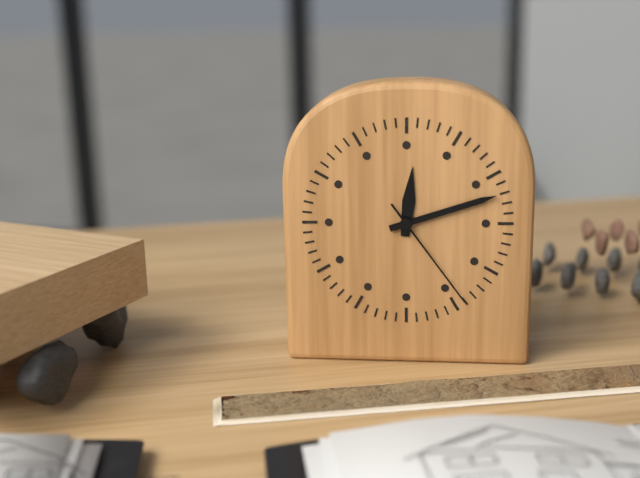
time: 12:12:24
